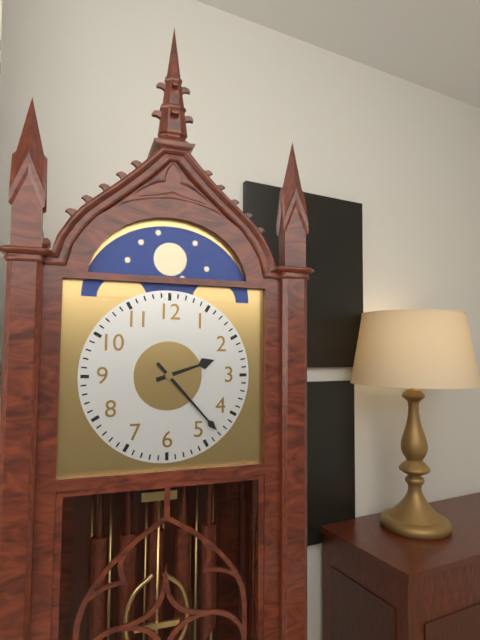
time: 2:23
